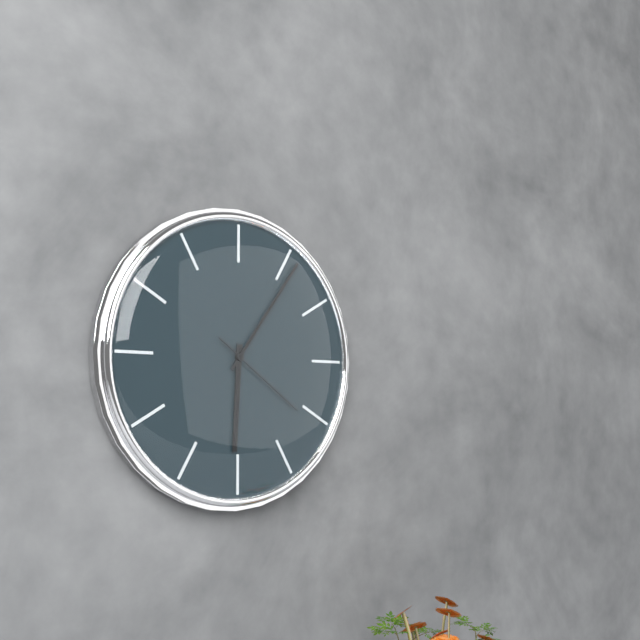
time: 6:06:21
